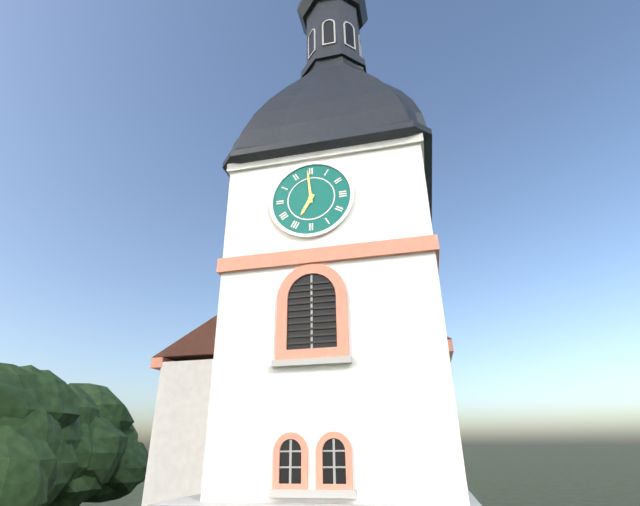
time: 6:59
